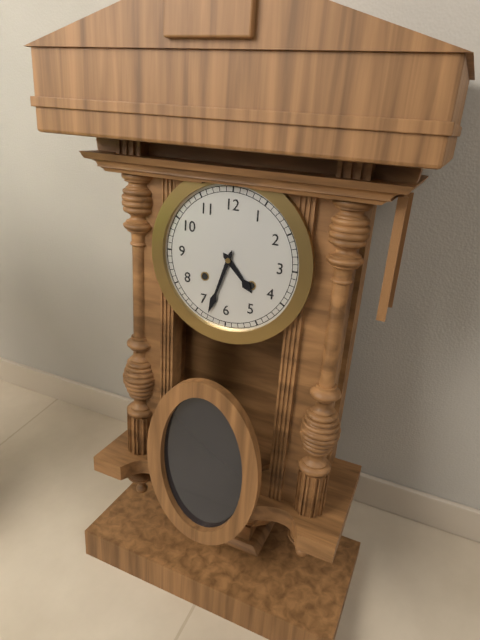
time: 4:33
